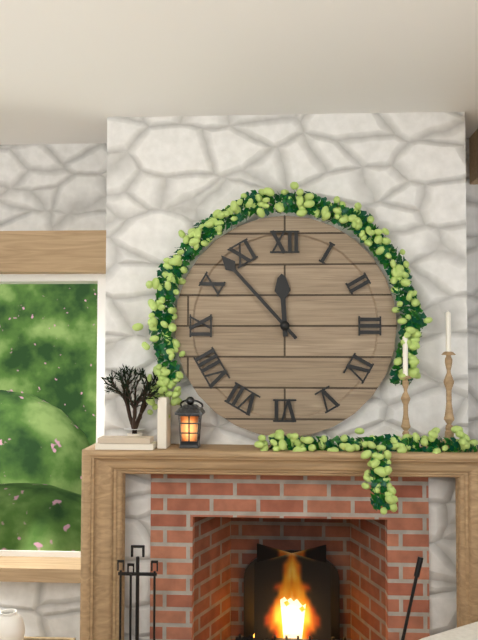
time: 11:53
